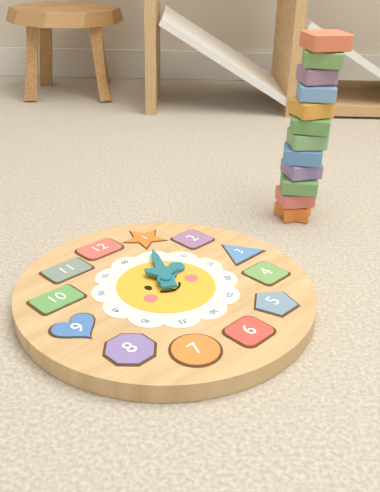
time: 2:05
